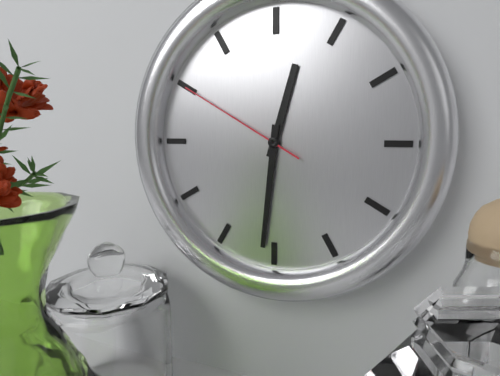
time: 12:31:50
